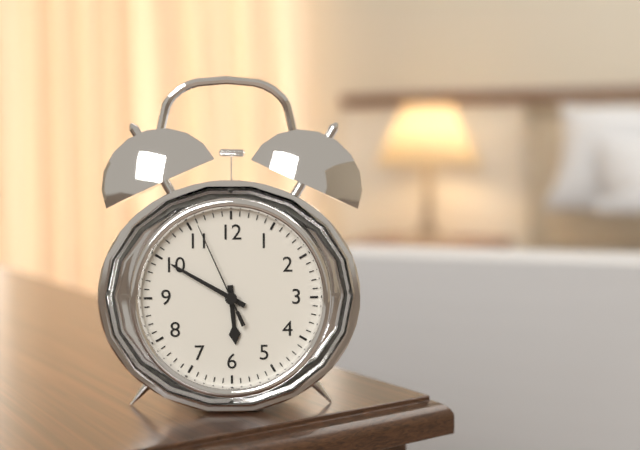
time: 5:50:56
